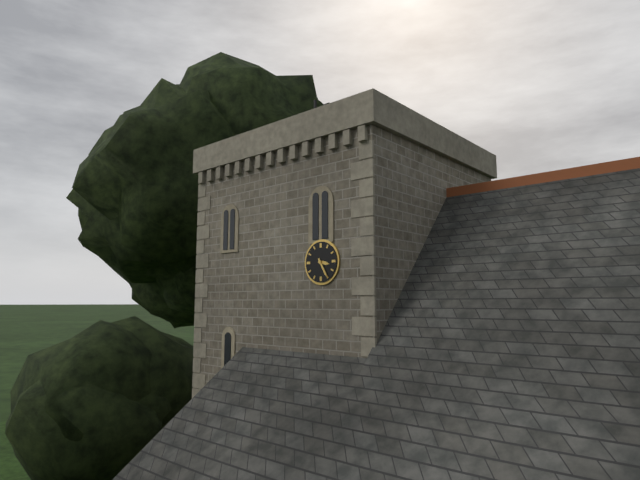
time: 3:25
